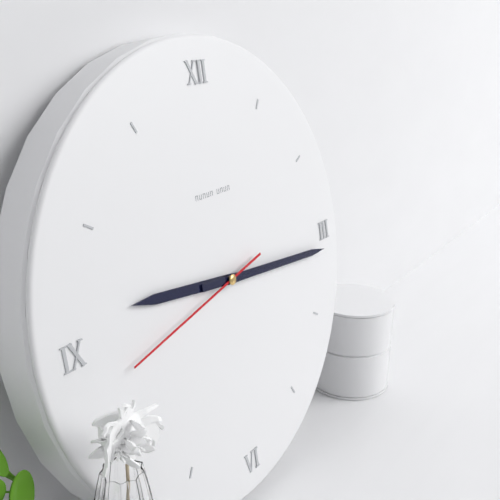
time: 9:16:43
